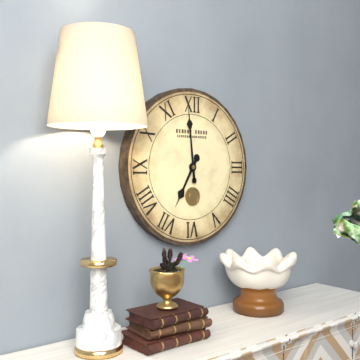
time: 6:59
